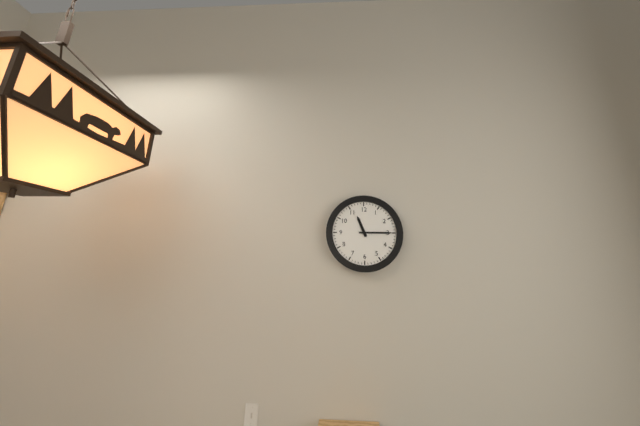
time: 11:15
